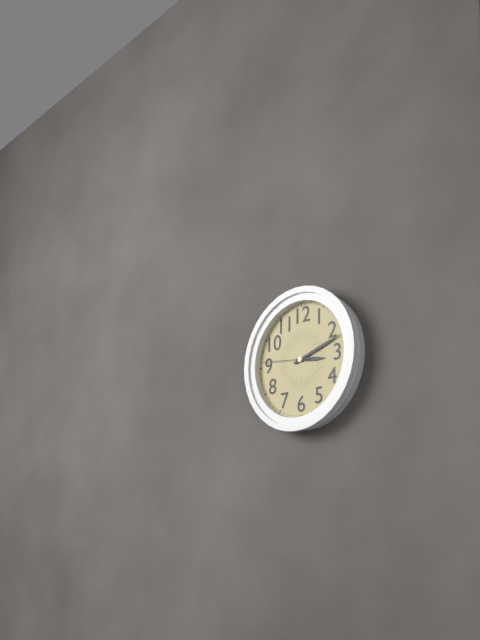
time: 3:12
